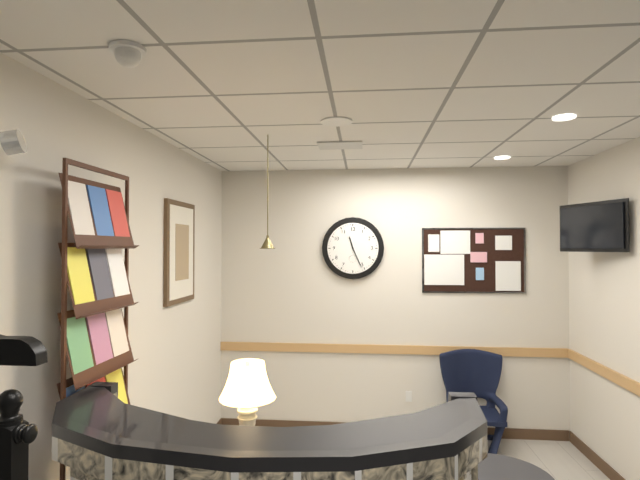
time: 11:26
